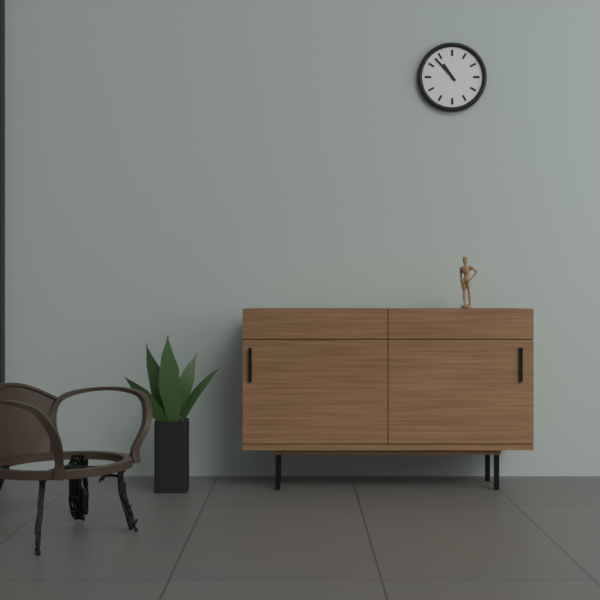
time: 10:53
